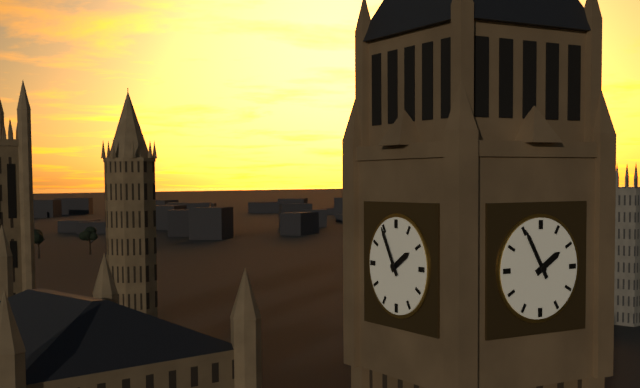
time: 1:55
